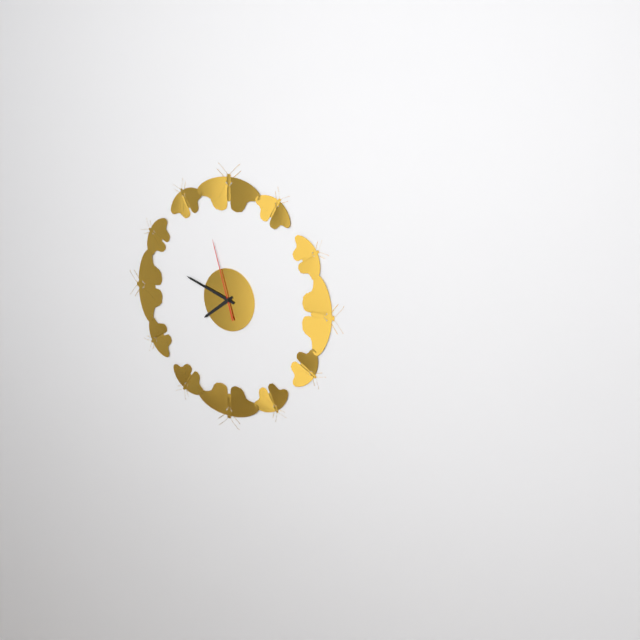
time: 7:48:57
